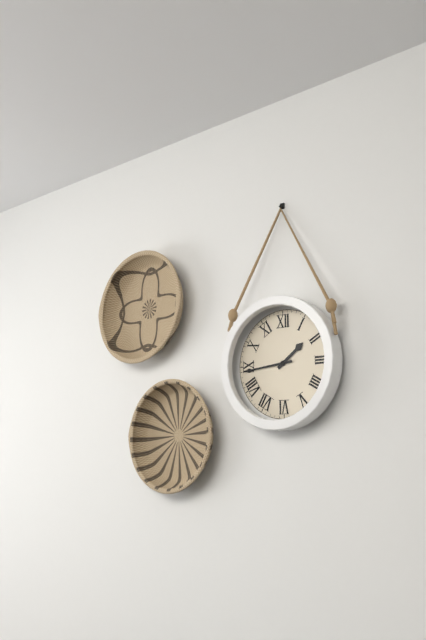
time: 1:44
